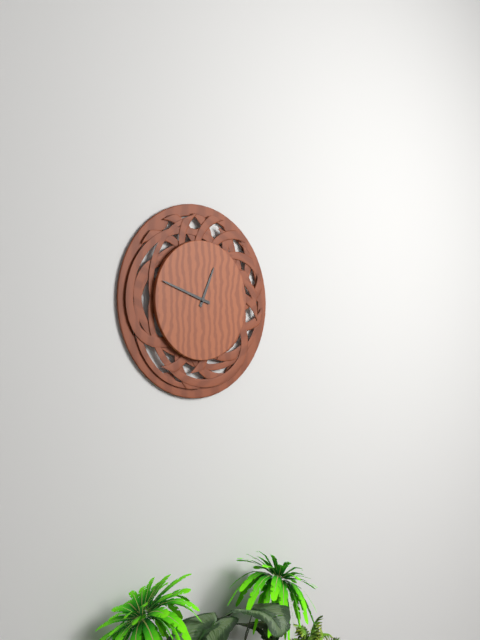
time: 12:48
